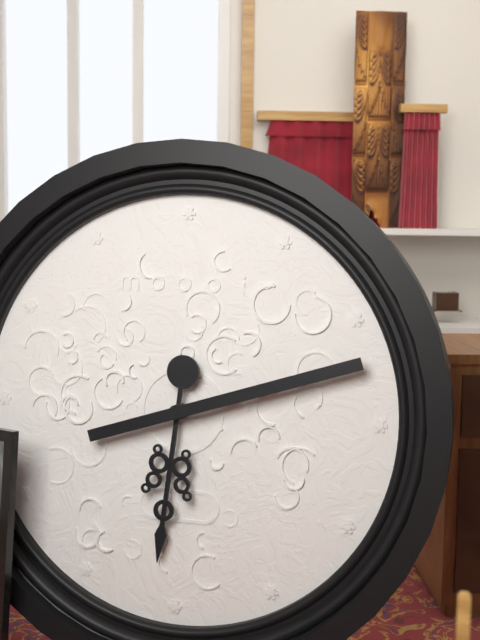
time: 6:12
